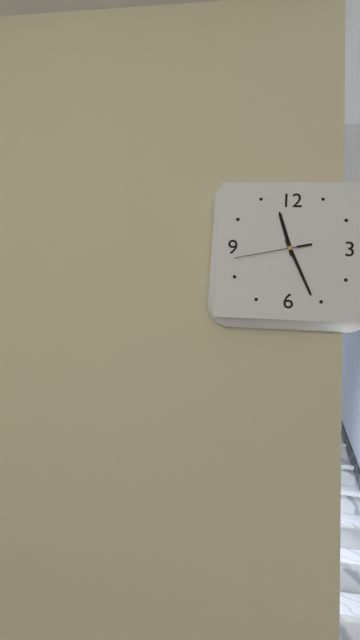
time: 11:26:43
